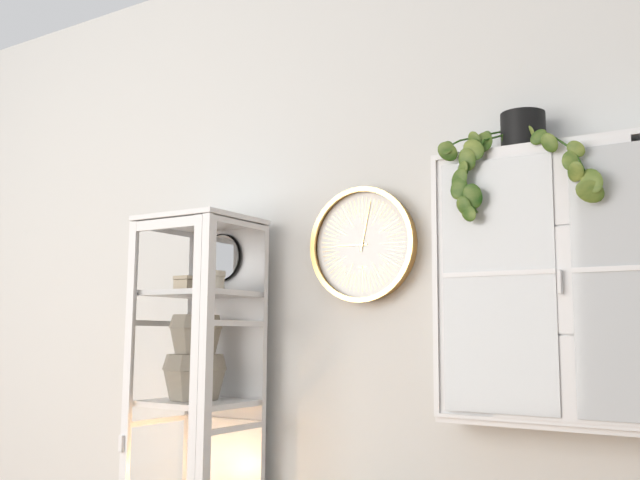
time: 9:02
